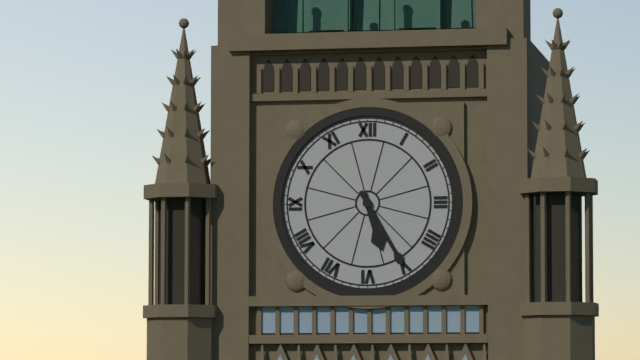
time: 5:25
